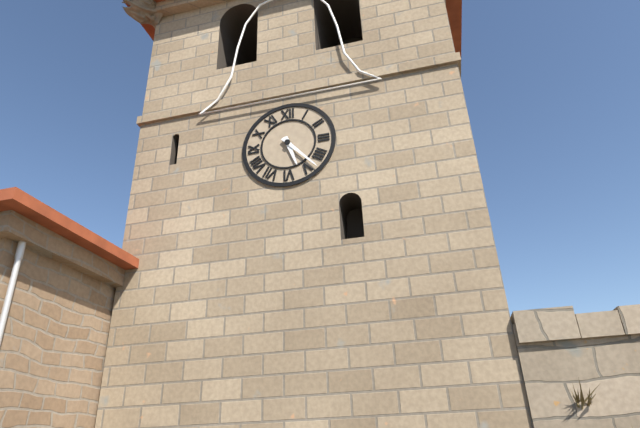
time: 5:23
